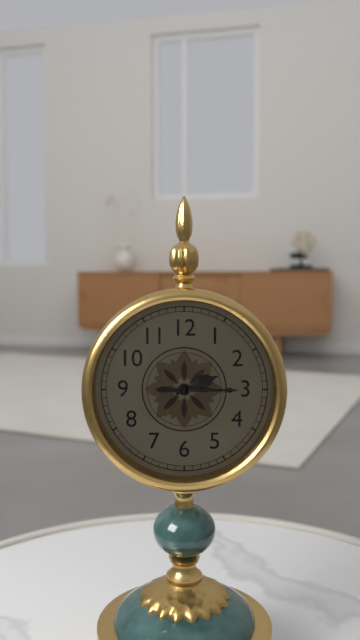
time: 2:15
